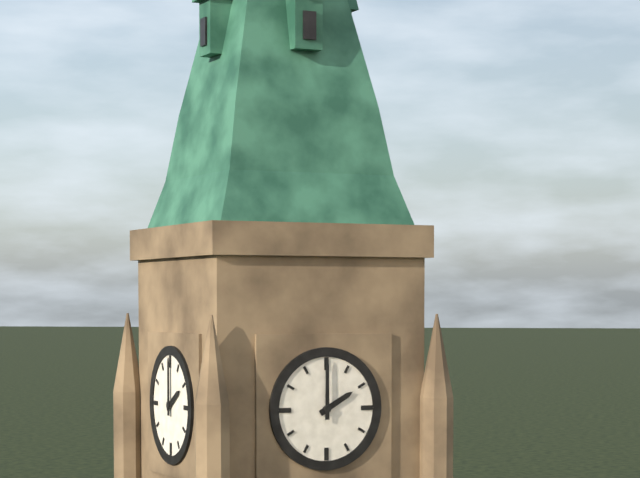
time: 2:00
